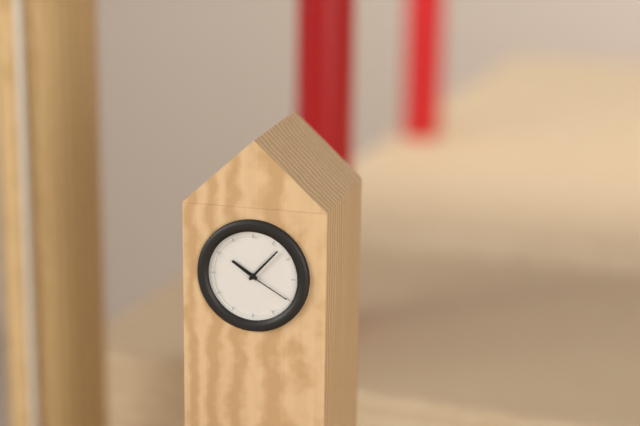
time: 10:07:20
